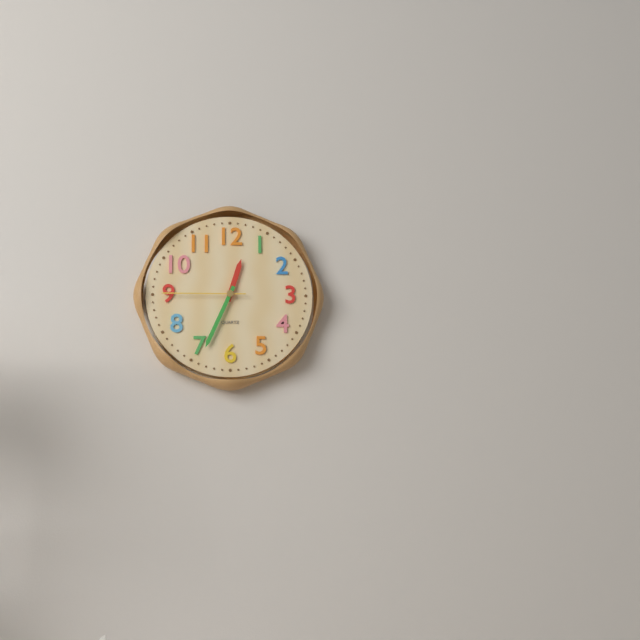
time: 12:34:45
